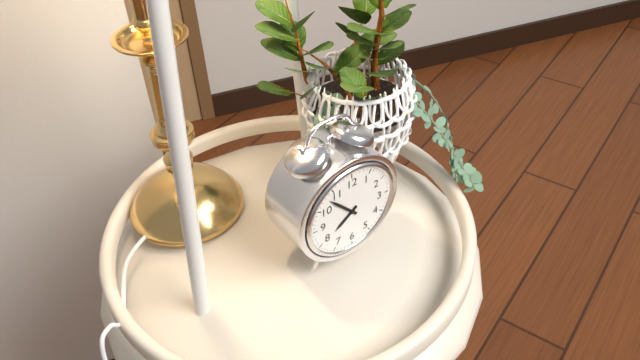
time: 7:53
